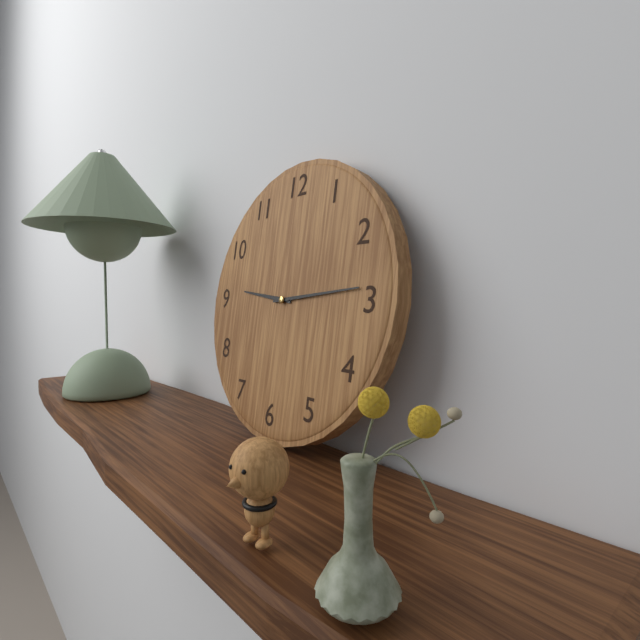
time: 9:14
